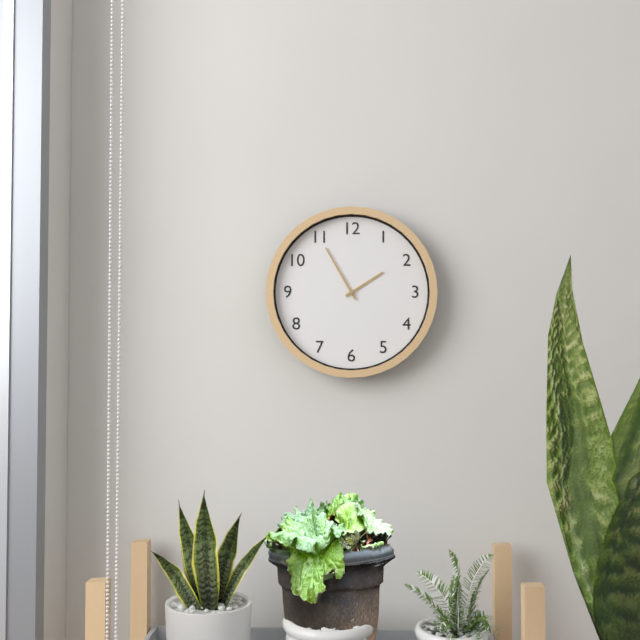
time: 1:55
